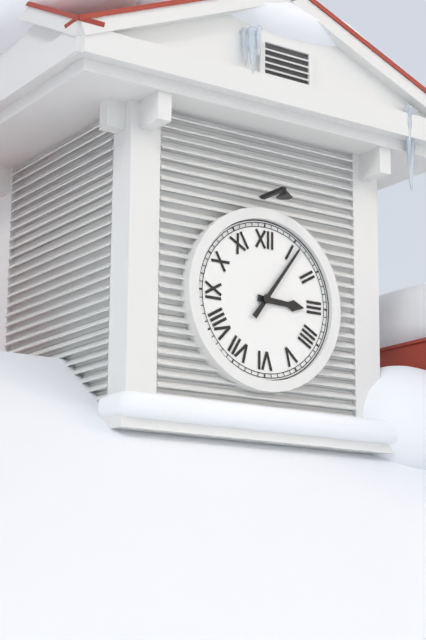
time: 3:06
